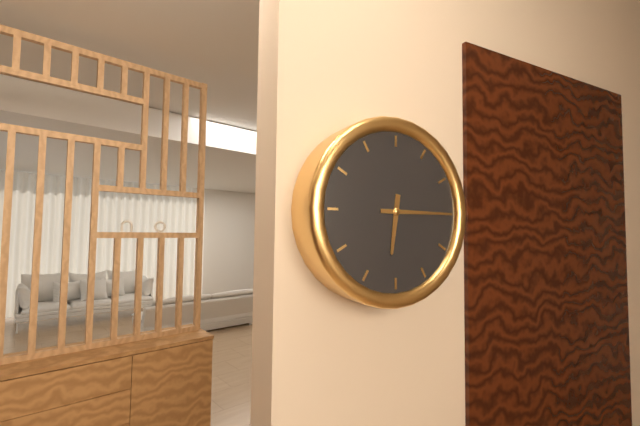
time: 6:15
